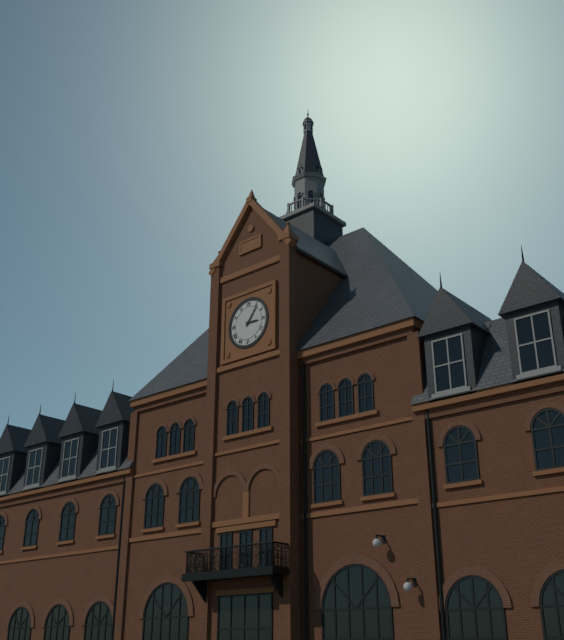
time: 3:06
